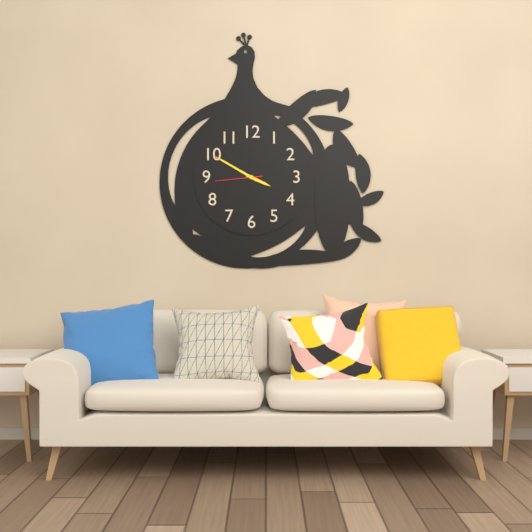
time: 3:50
